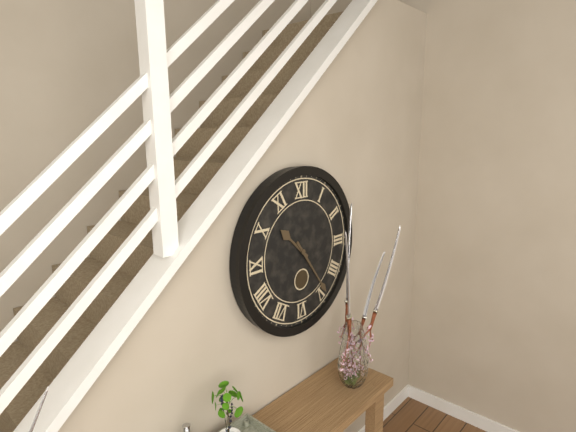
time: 10:24
